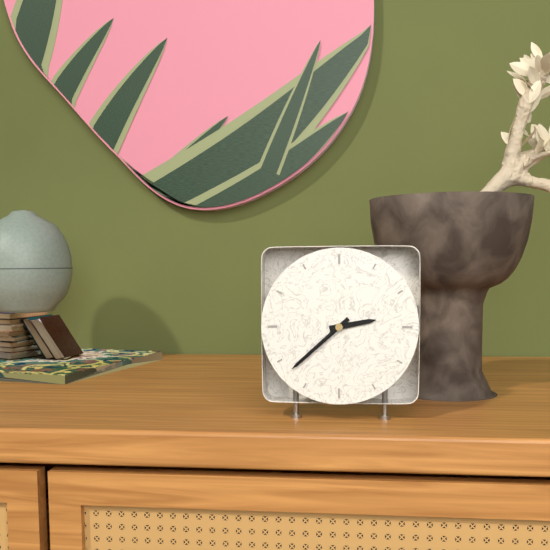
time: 2:38
